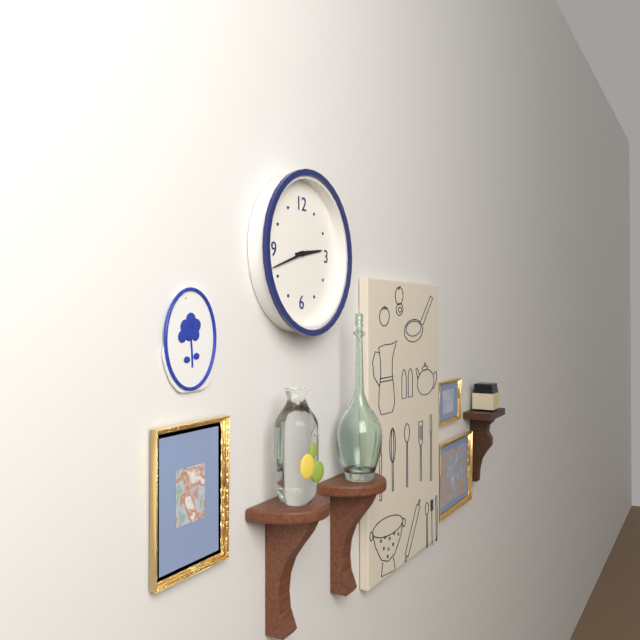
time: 2:42
